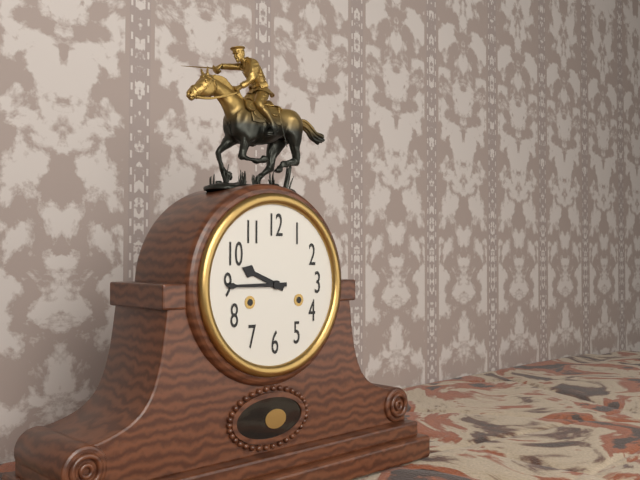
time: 9:45
